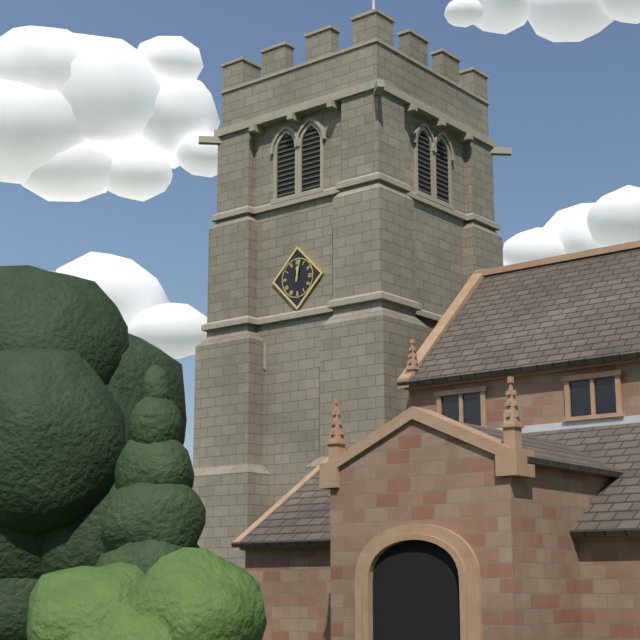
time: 12:02
